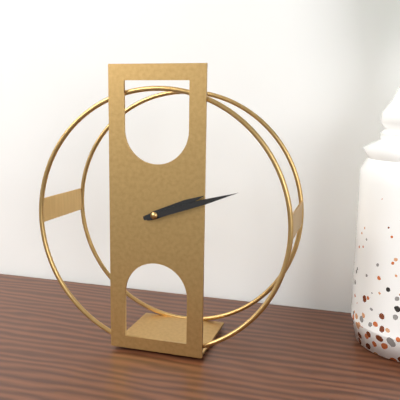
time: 2:12
